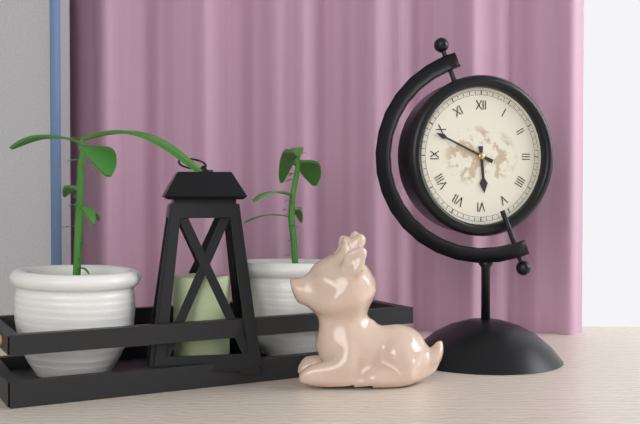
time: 5:49
